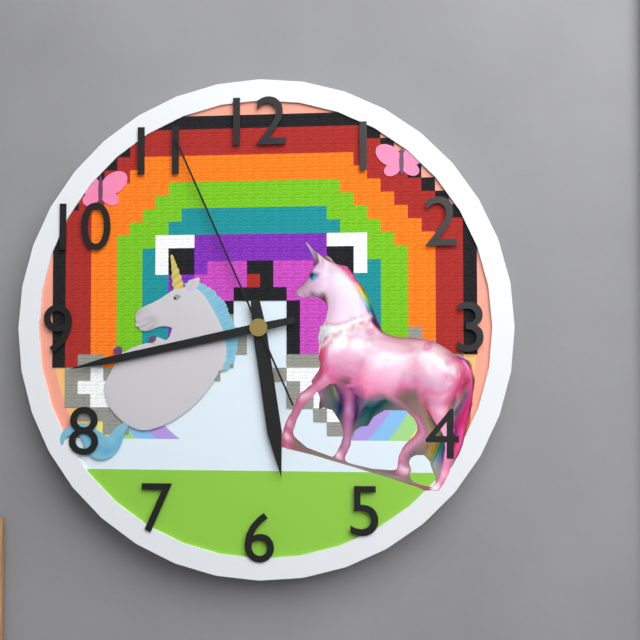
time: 5:43:56
